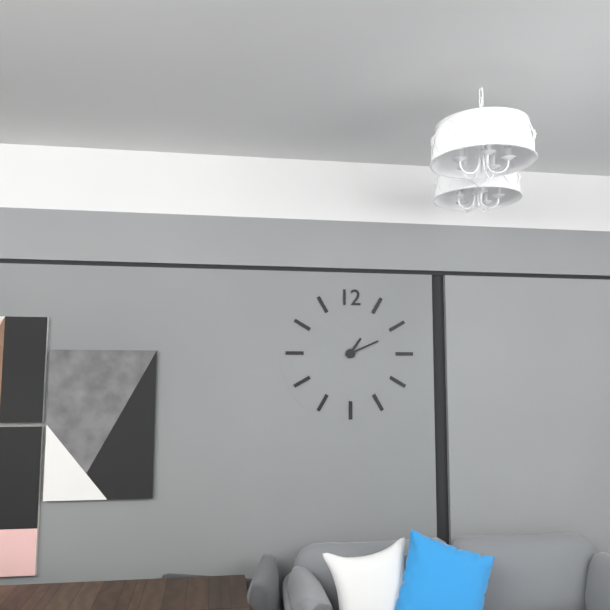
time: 1:11
